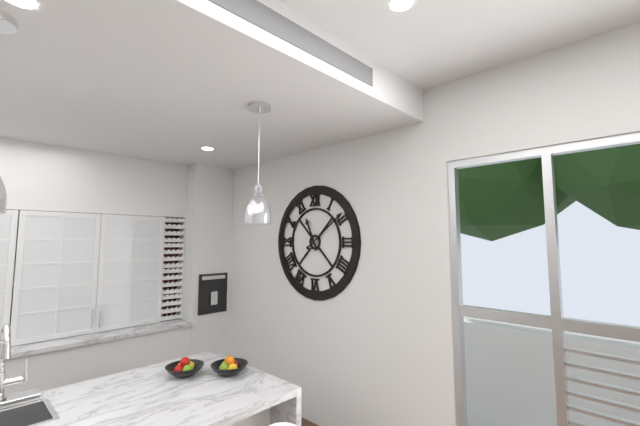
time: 11:09
